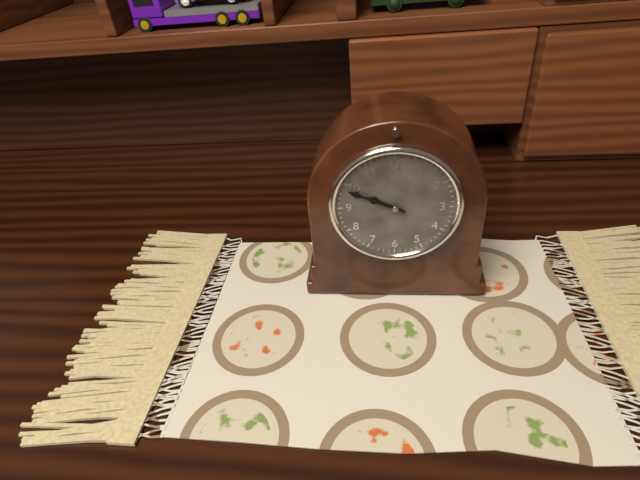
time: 9:49
